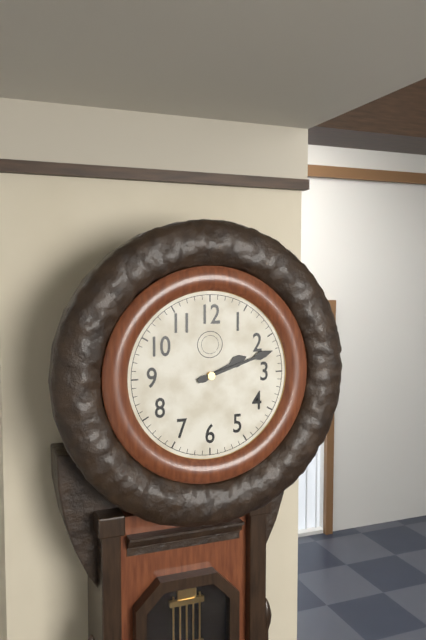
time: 2:12
